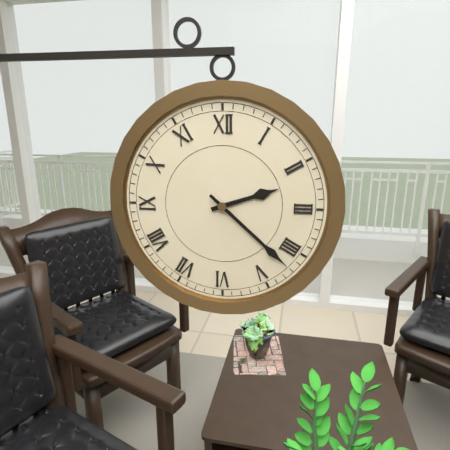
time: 2:22
